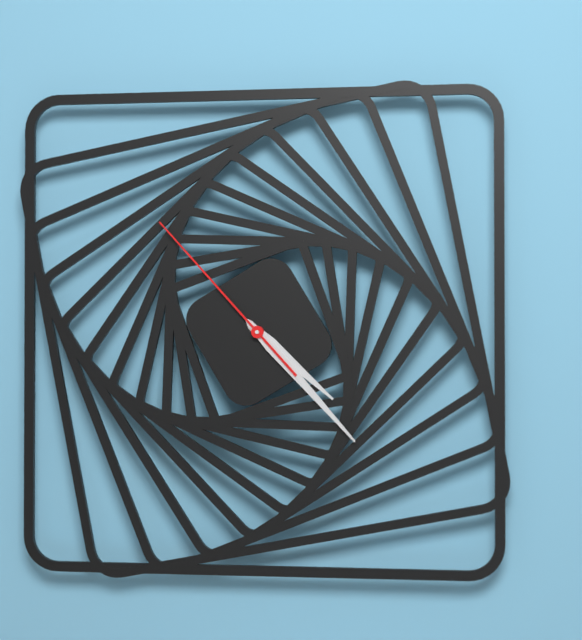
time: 4:23:53
